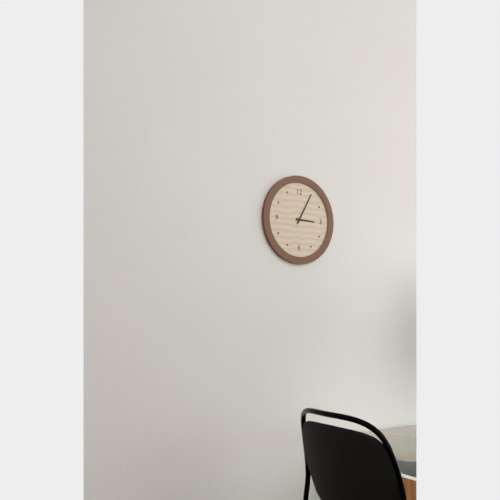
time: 3:05
